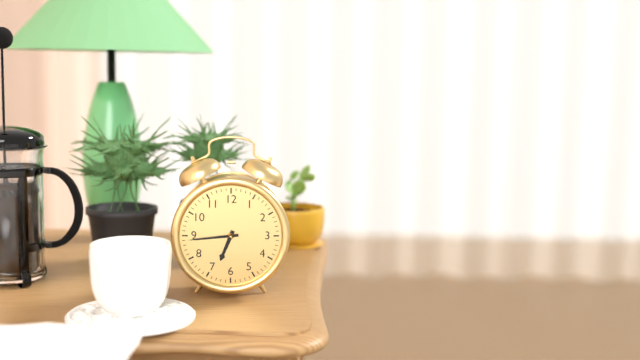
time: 6:44
